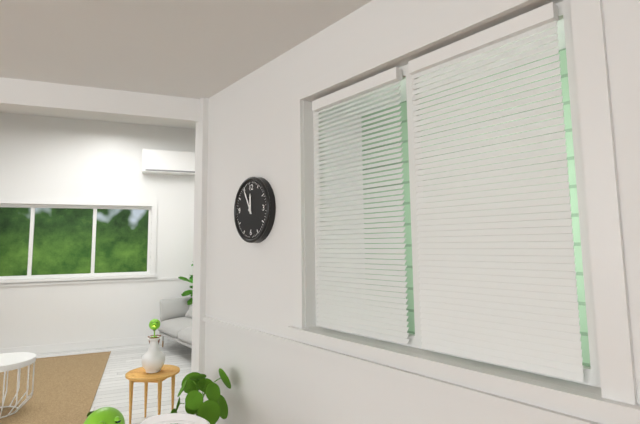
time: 11:55
